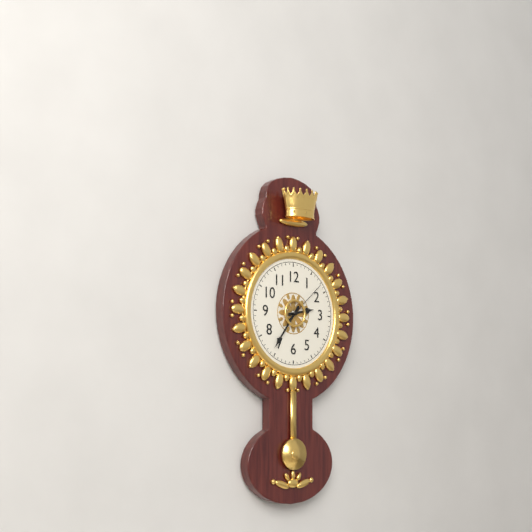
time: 2:36
